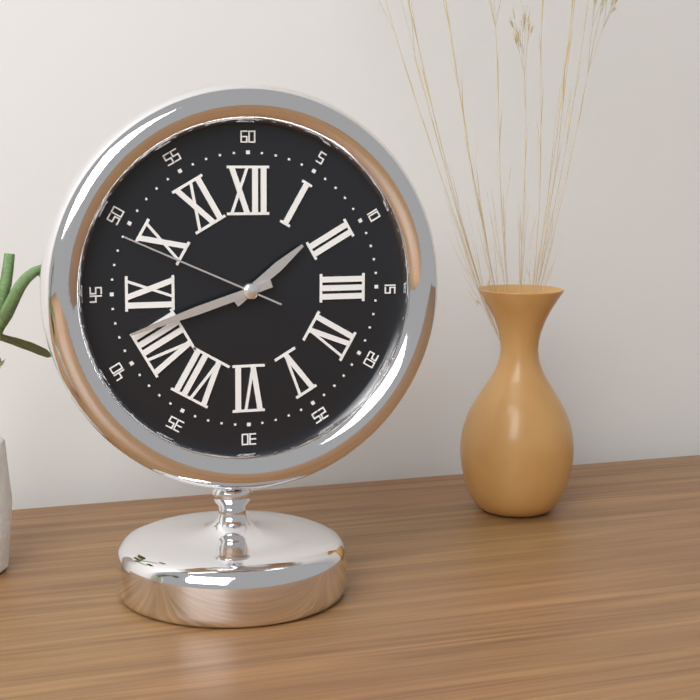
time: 1:42:49
